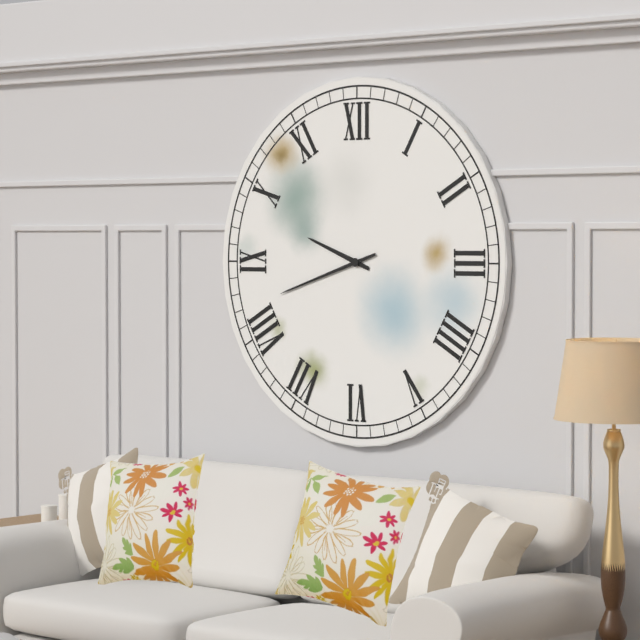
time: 9:42
